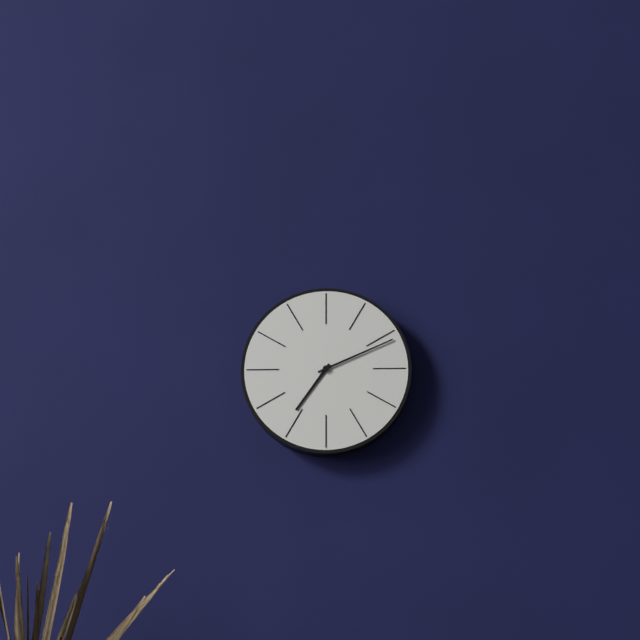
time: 7:11
